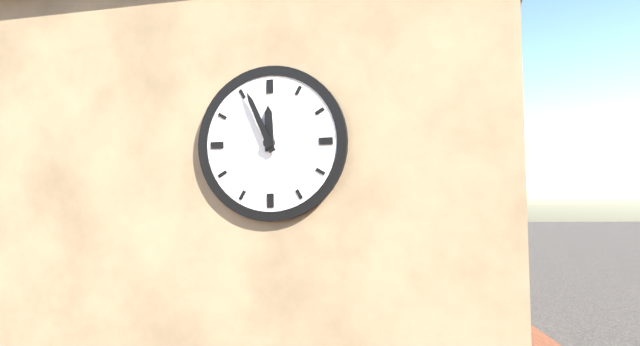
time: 11:56
